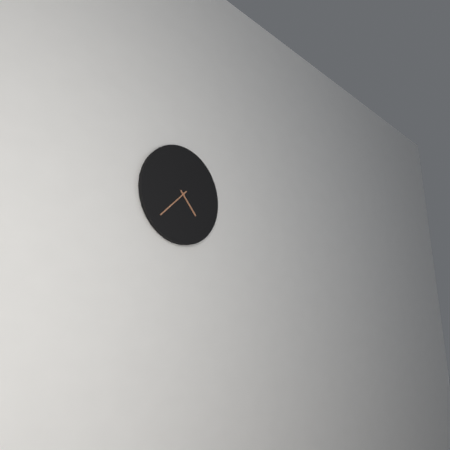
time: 4:38
